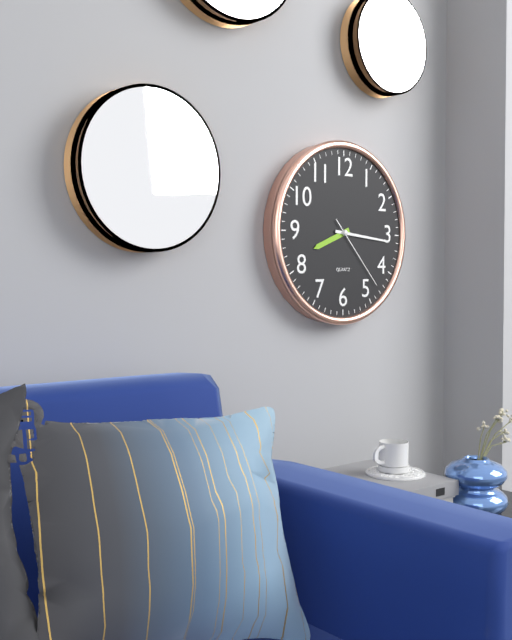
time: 8:16:23
